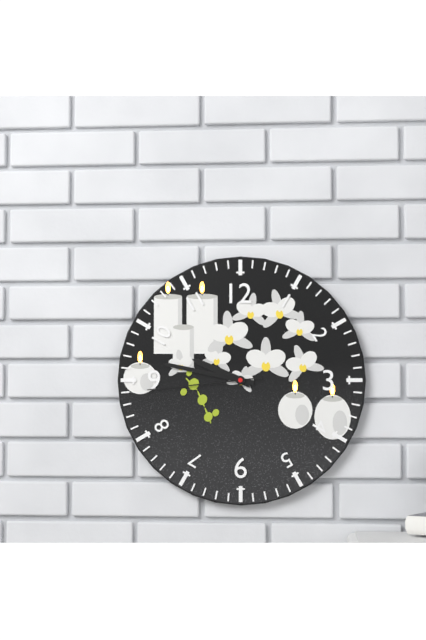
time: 9:47:44
